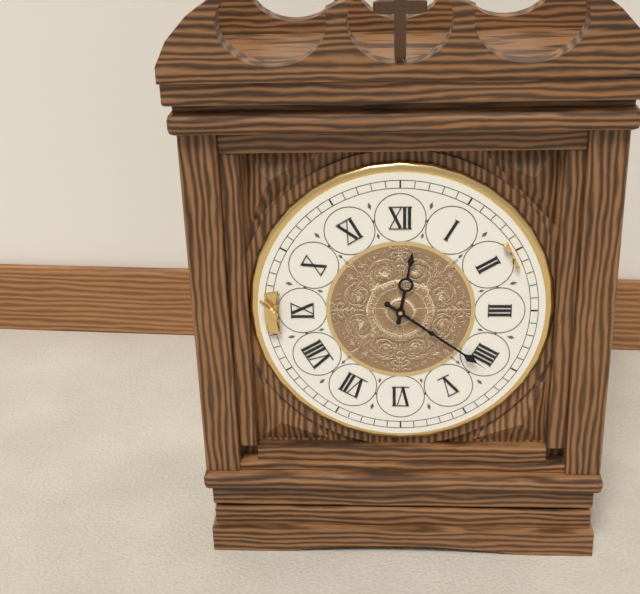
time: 12:21
